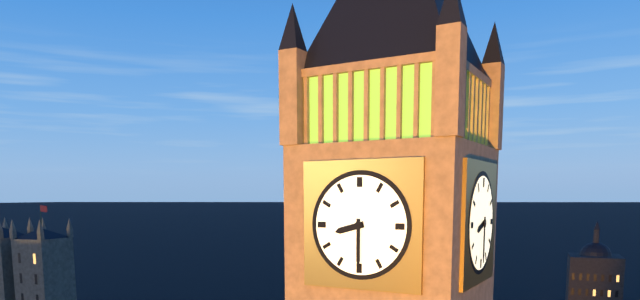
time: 8:30
